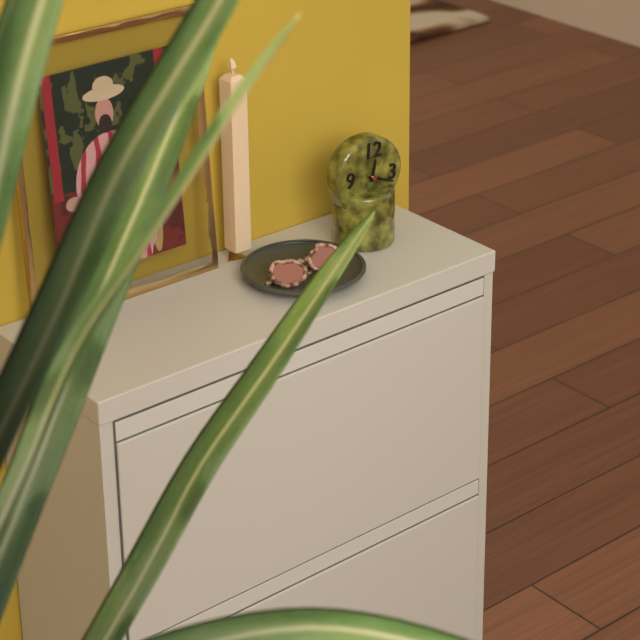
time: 12:18
